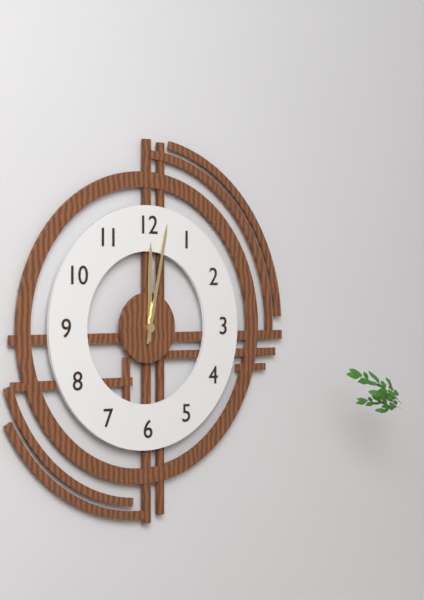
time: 12:02
